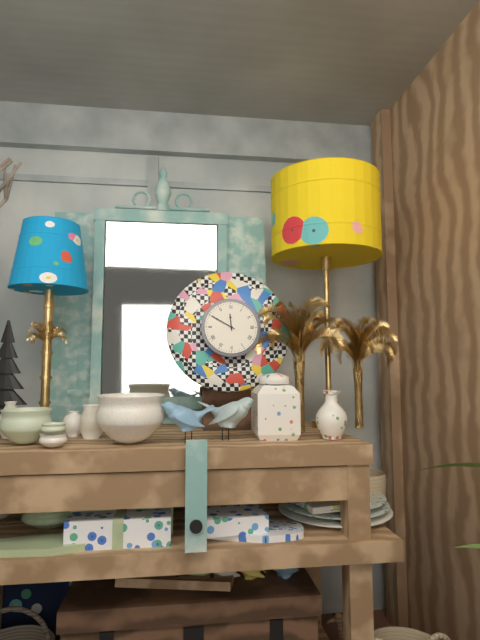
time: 11:50
